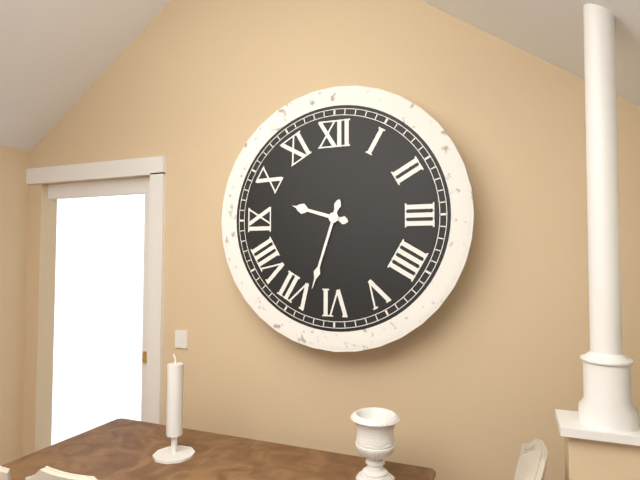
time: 9:33
